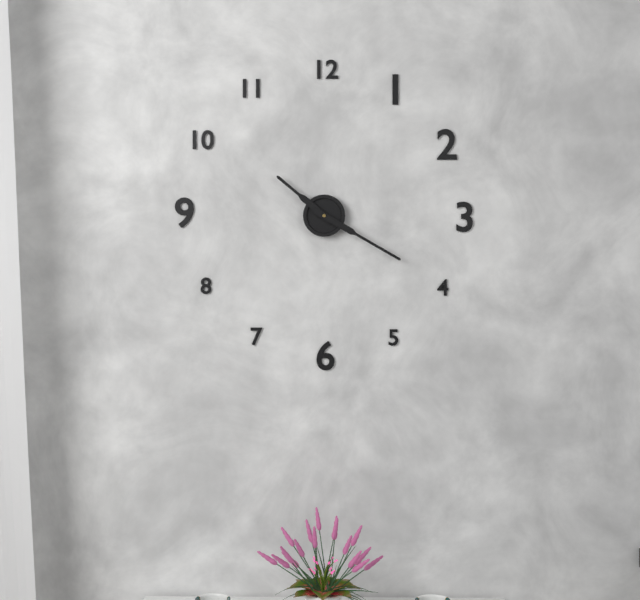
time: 10:20
